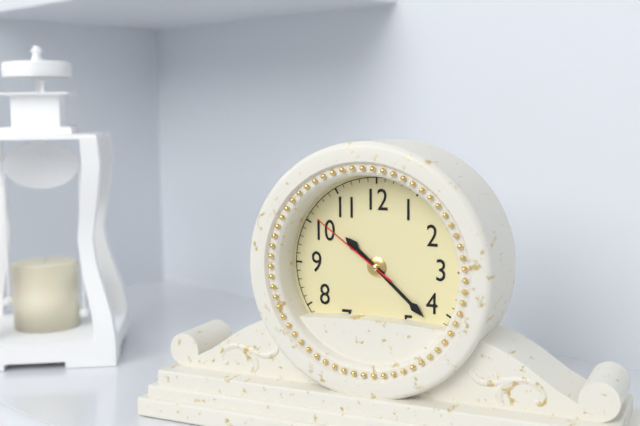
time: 10:22:51
